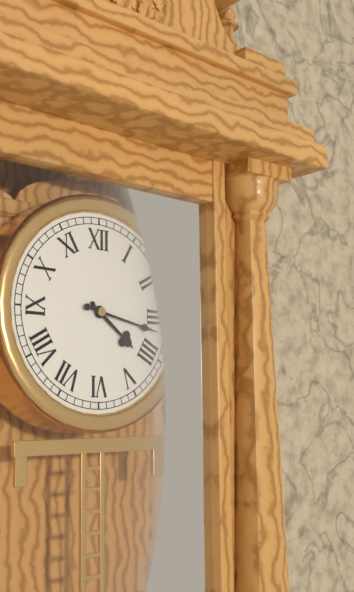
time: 4:17
